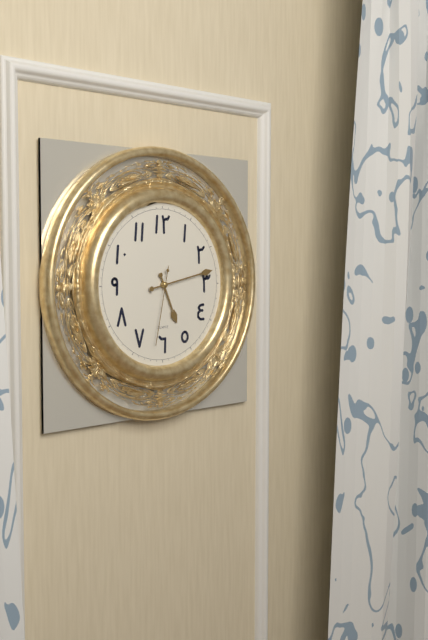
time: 5:13:32
